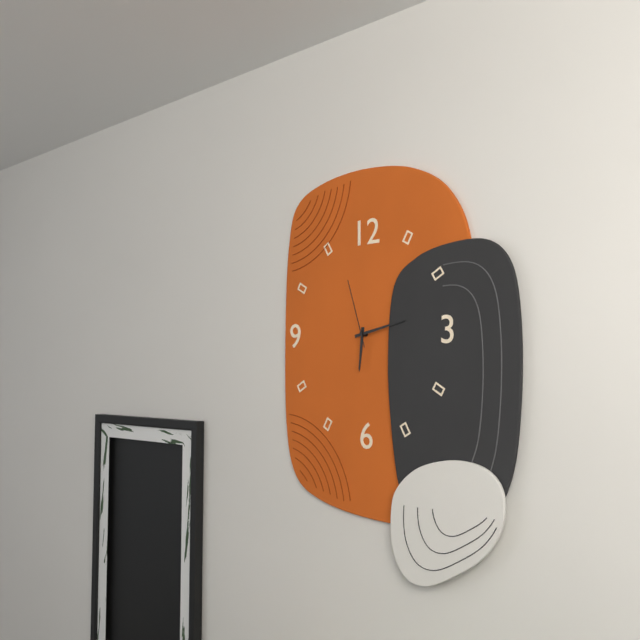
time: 6:13:57
